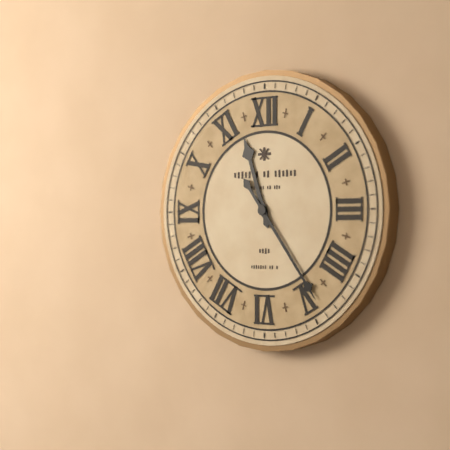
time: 11:24
